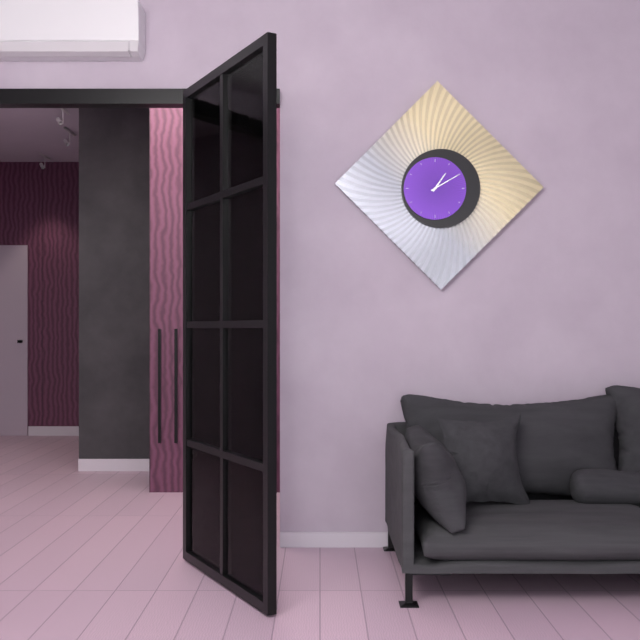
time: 1:10
